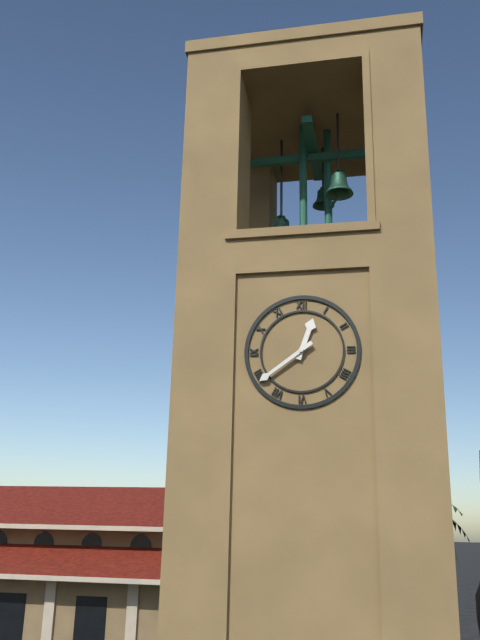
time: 12:39
